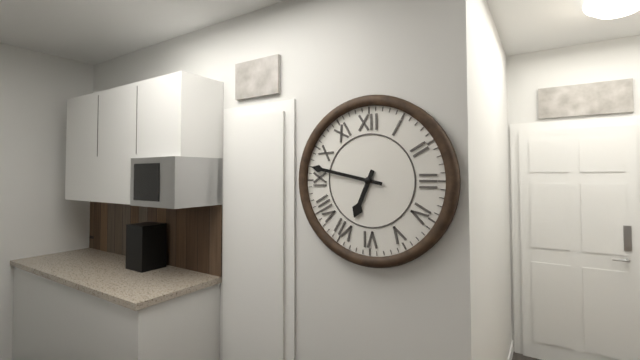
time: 6:47
